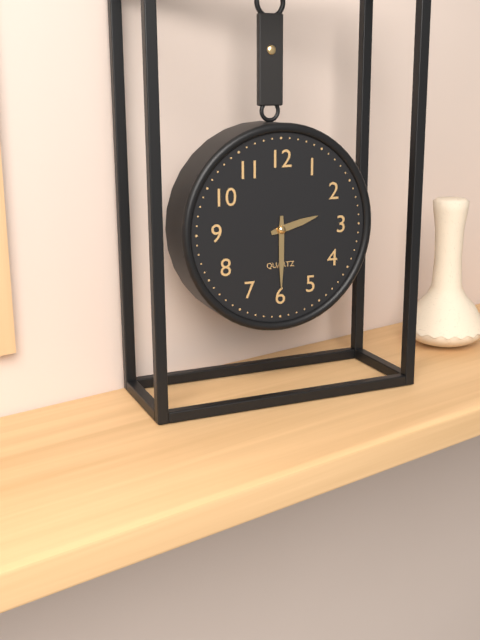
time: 2:30
